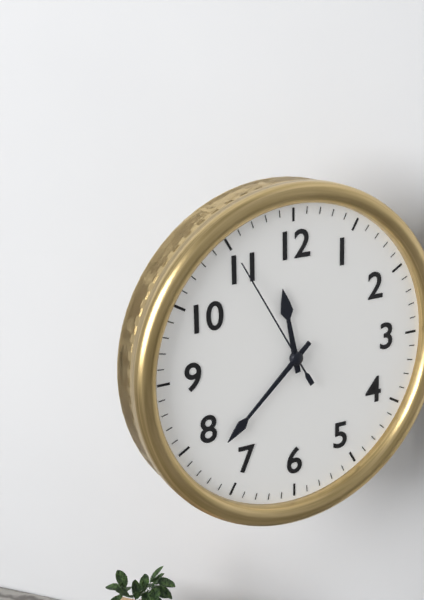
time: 11:38:55
